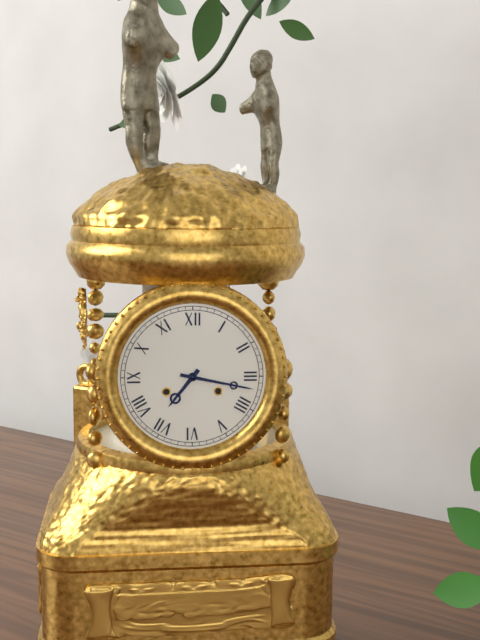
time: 7:17
